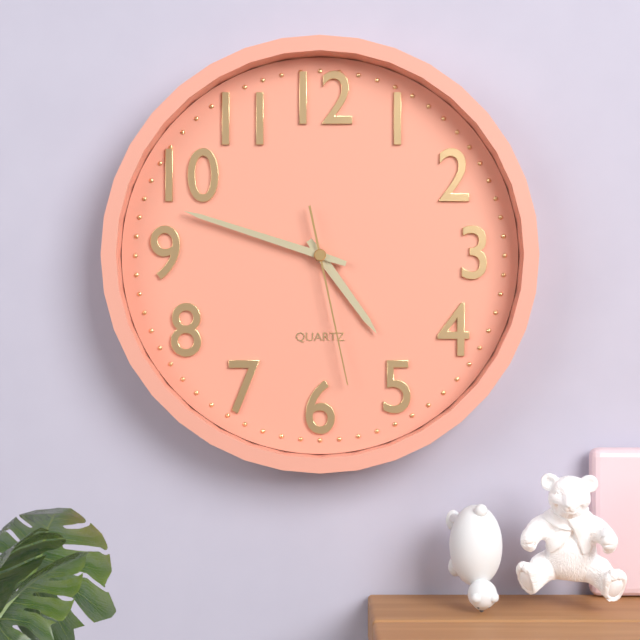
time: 4:48:28
